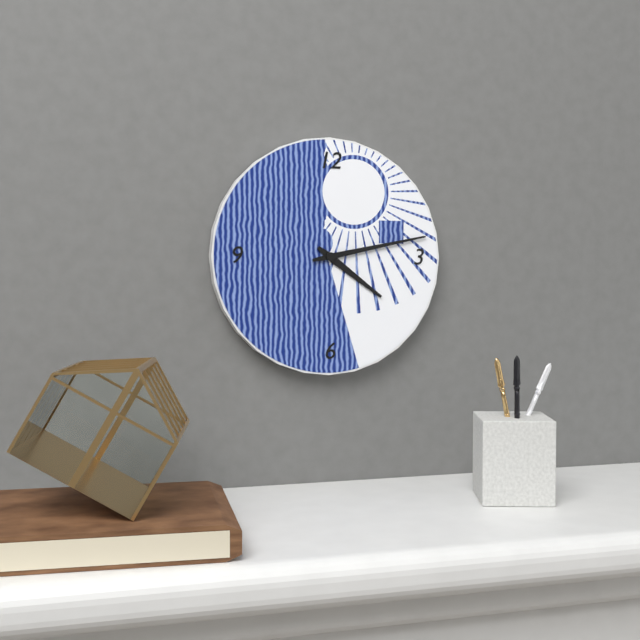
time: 4:13
